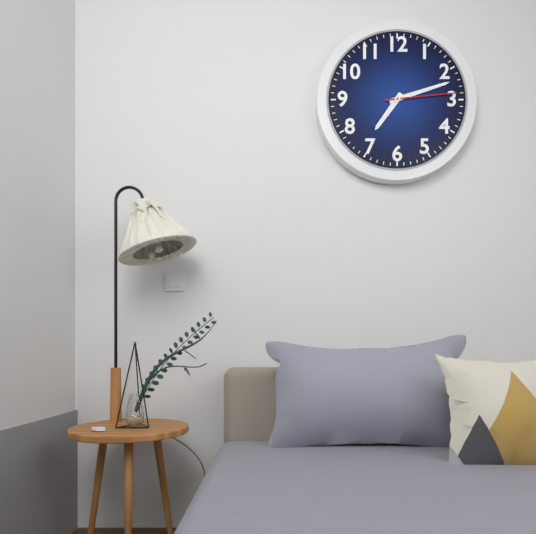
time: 7:12:14
